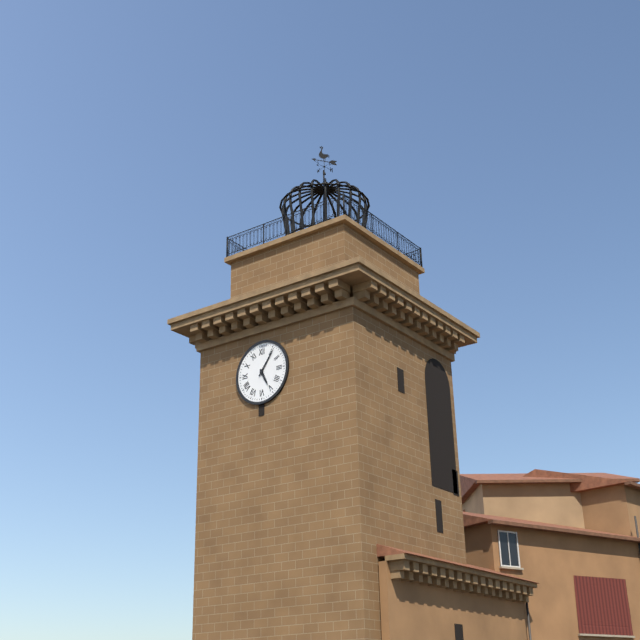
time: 5:06
